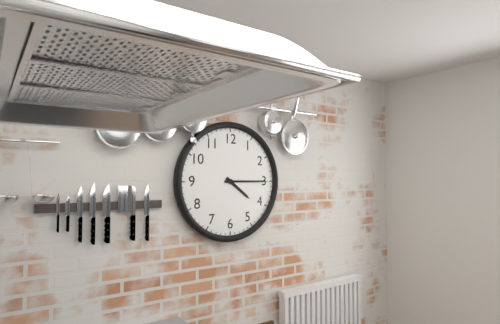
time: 4:15
